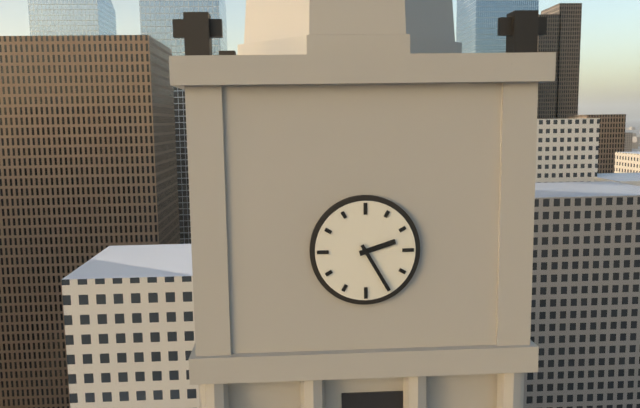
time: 2:25
